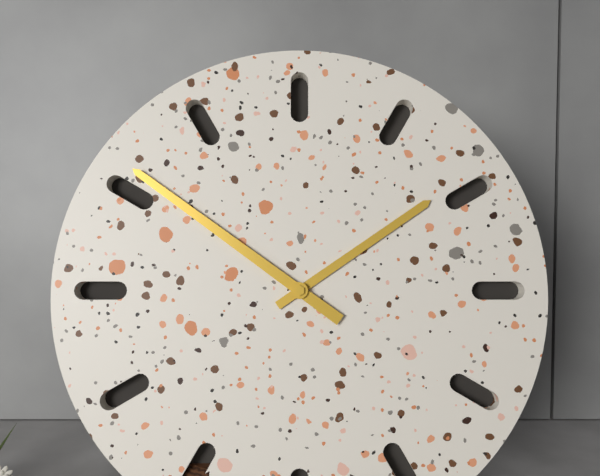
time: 1:51
